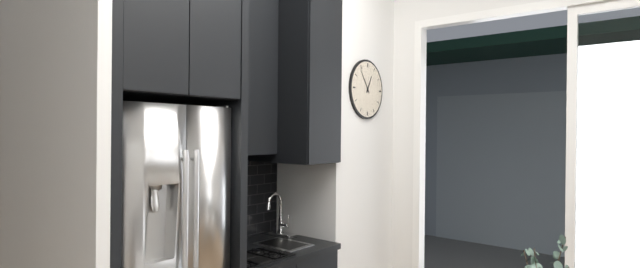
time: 12:54
